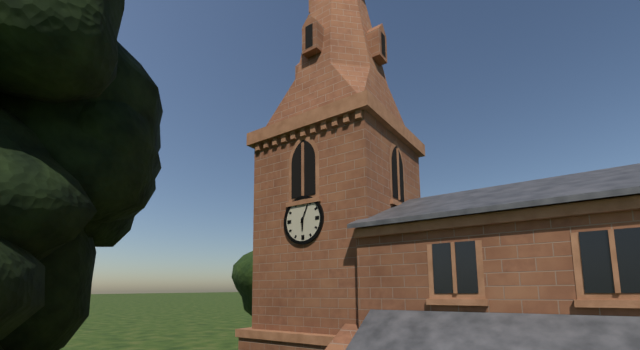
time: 6:04
